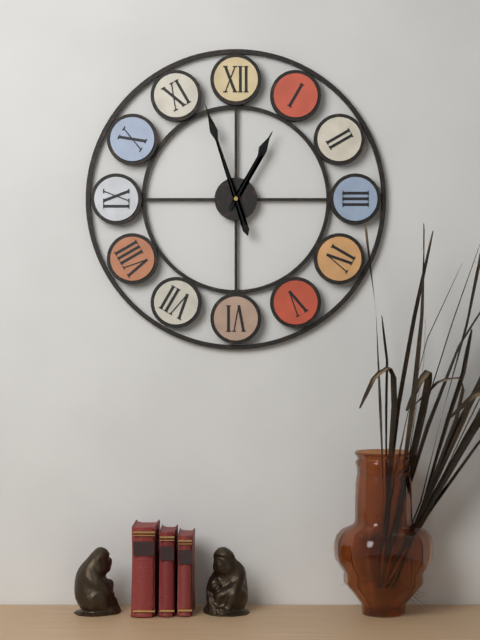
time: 12:57
